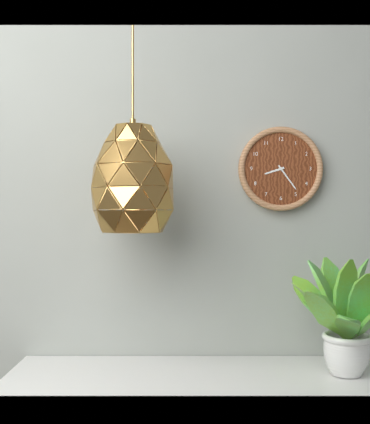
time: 8:24
